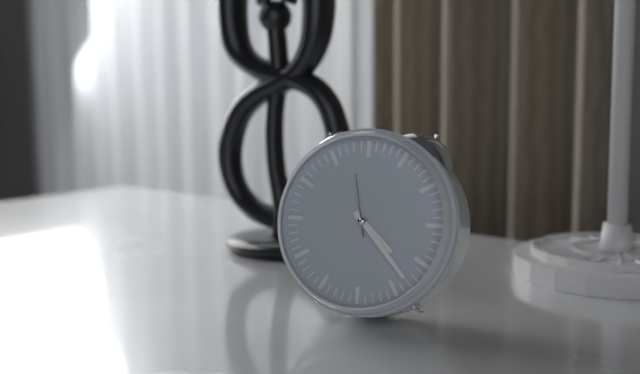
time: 4:23:58
